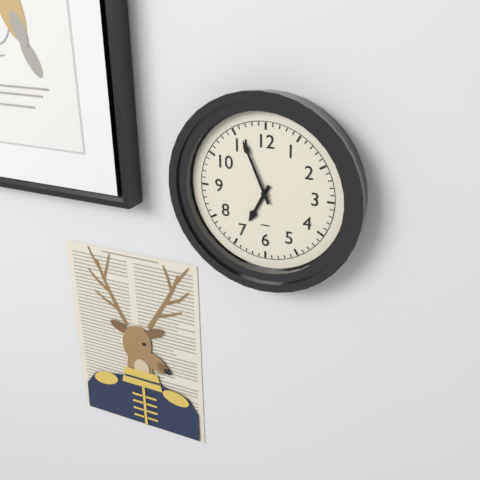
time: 6:56
